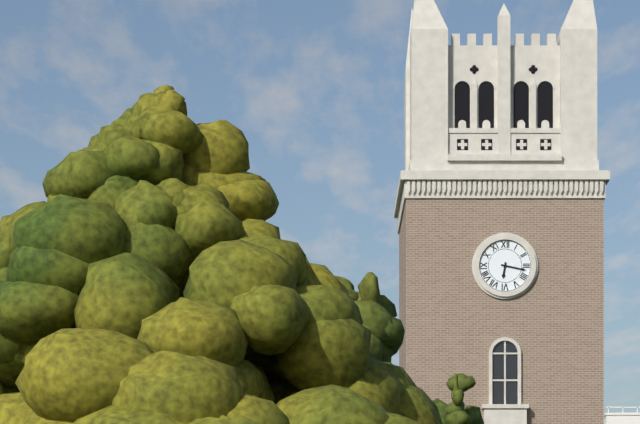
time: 6:17
